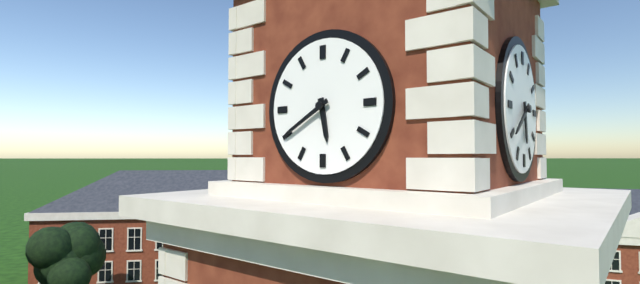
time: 5:40
